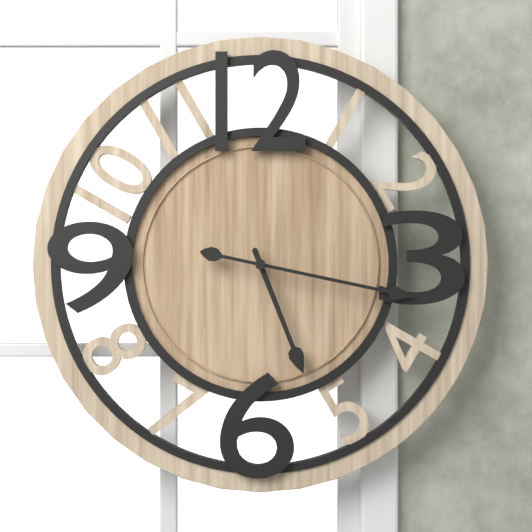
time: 5:17
